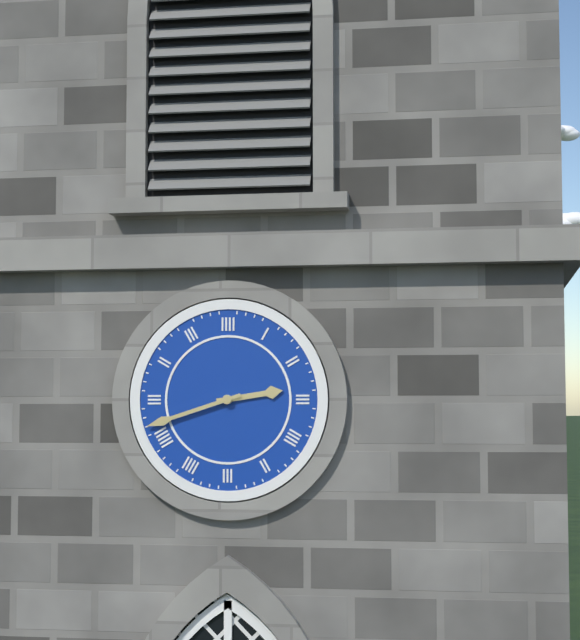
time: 2:42
